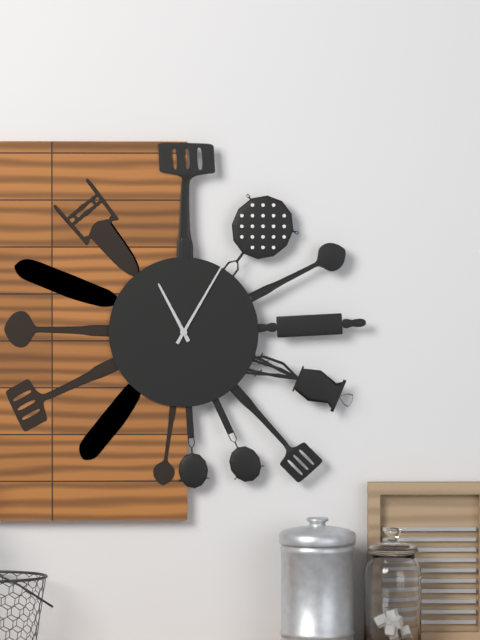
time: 11:05
